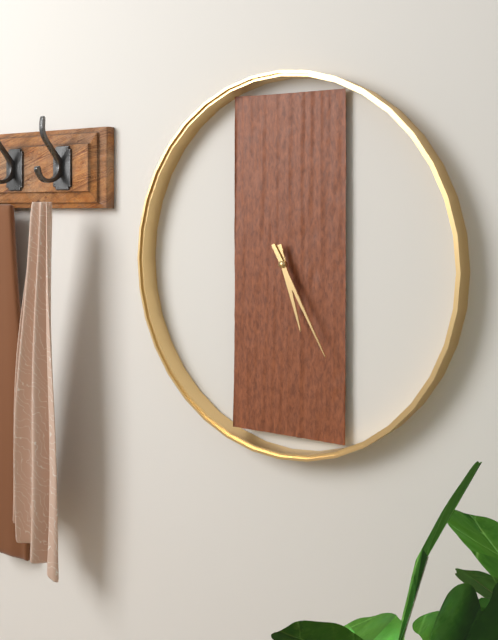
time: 5:25
